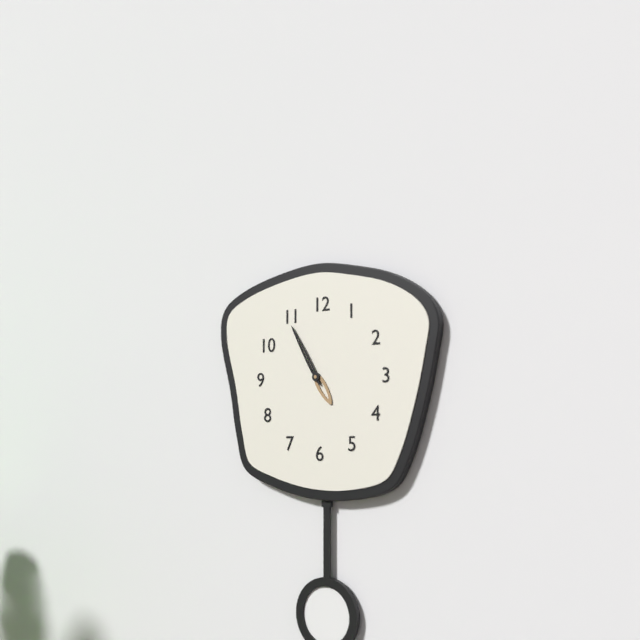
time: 4:55
